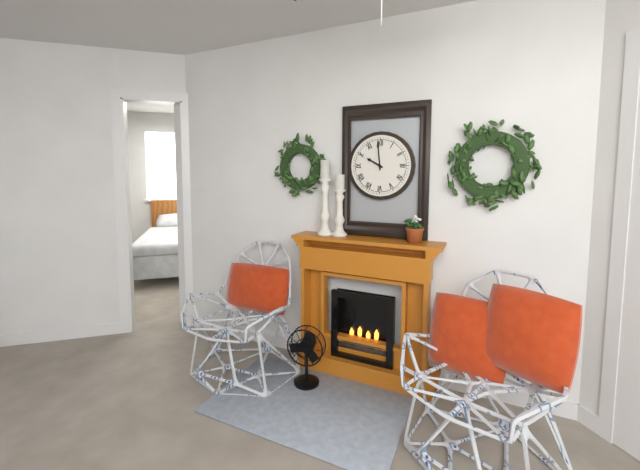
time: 9:59
